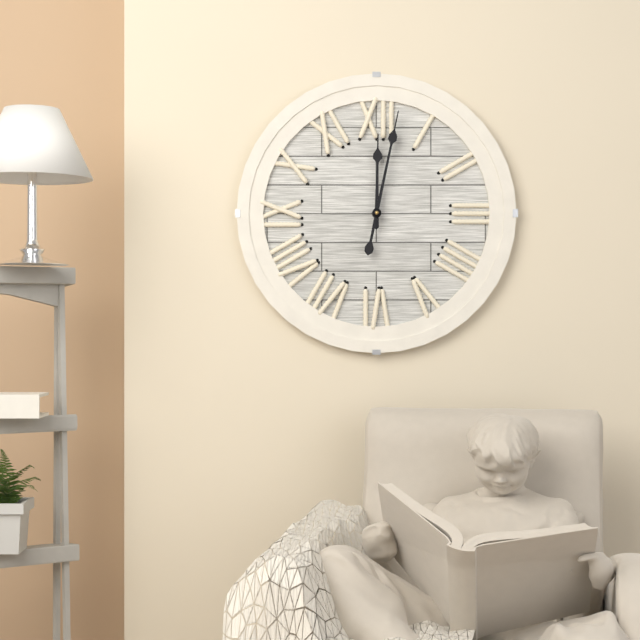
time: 12:02
